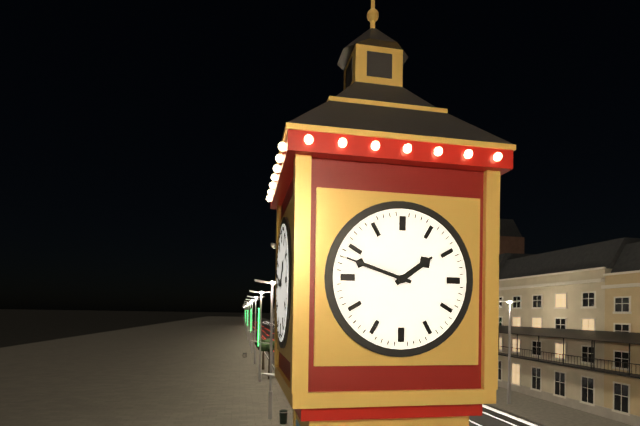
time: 1:48
